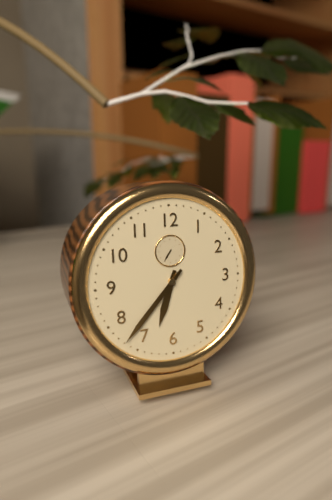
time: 6:37
